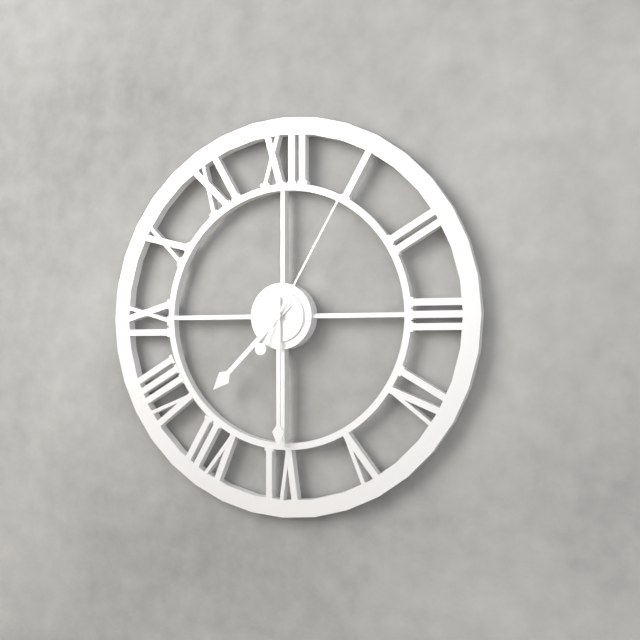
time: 7:30:05
